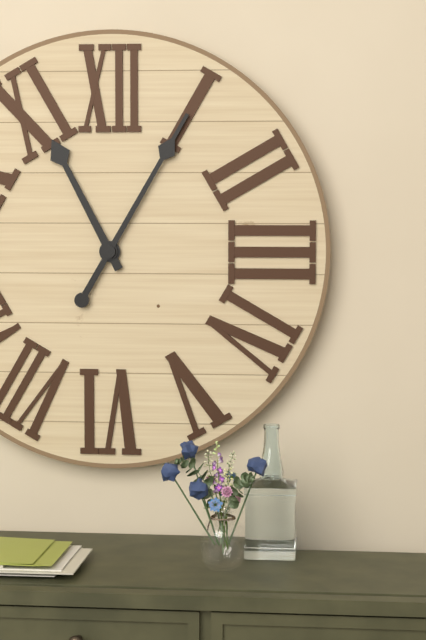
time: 11:05
